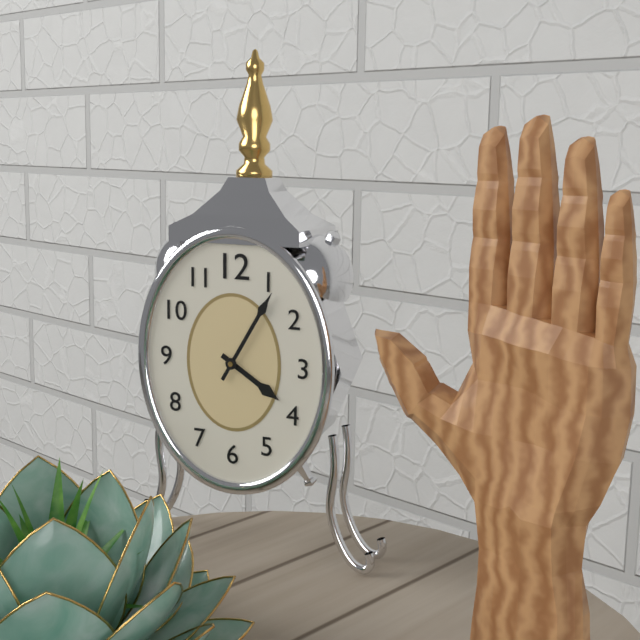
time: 4:05
